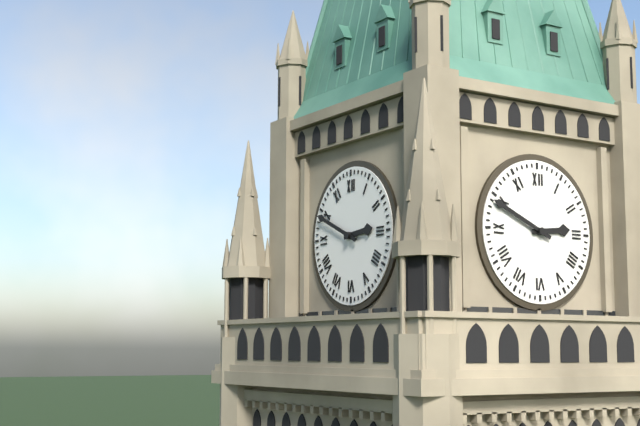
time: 2:49
